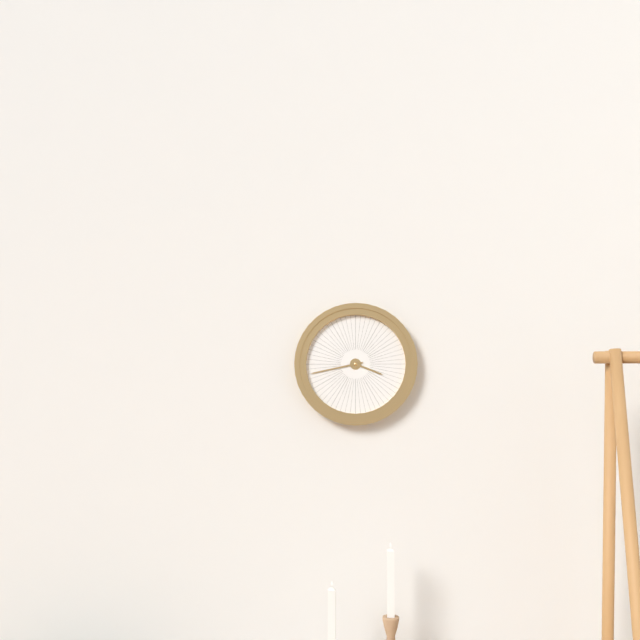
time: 3:43
